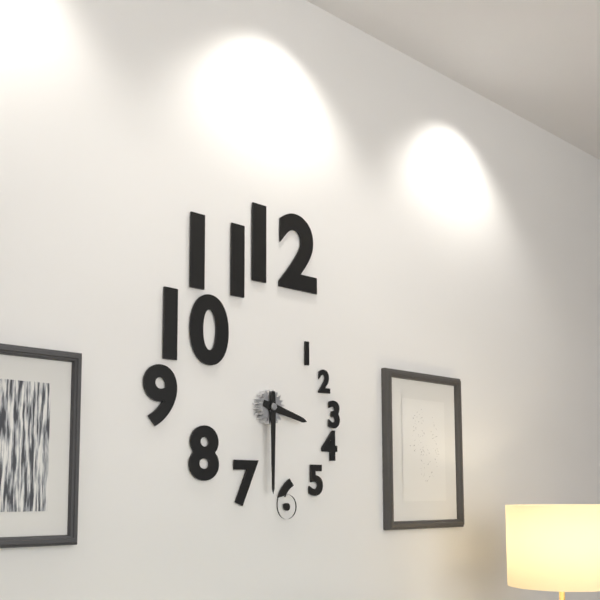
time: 3:30
